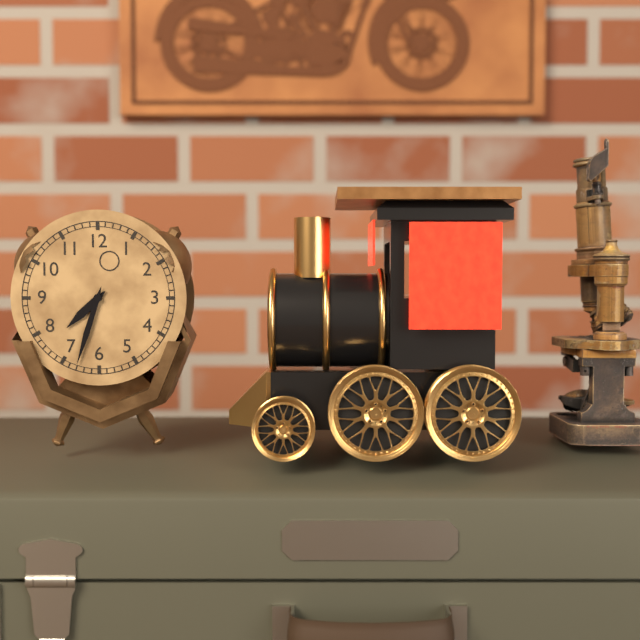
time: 7:33
